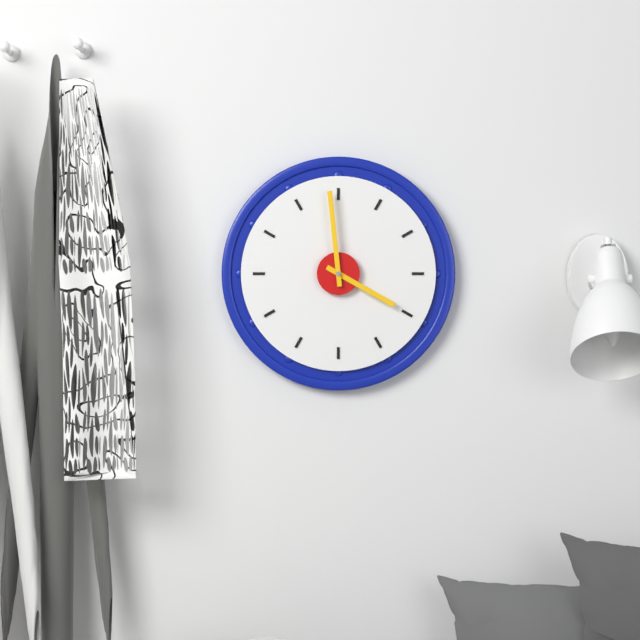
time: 3:59
